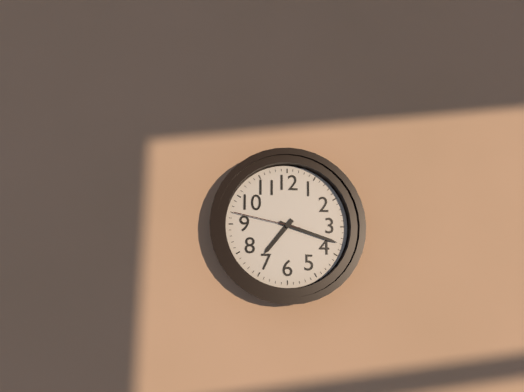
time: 7:18:47
